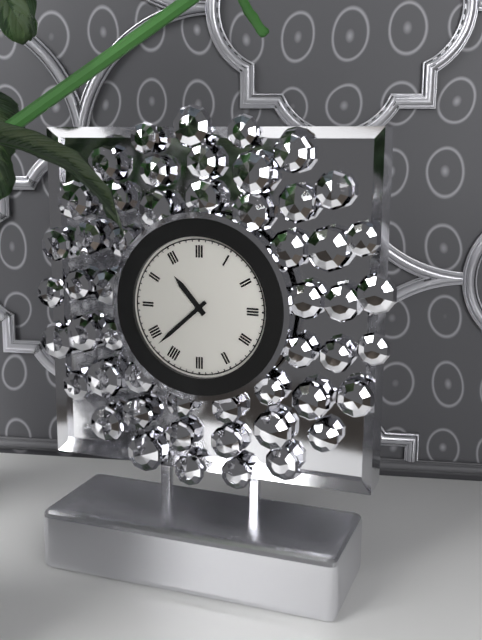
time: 10:38
